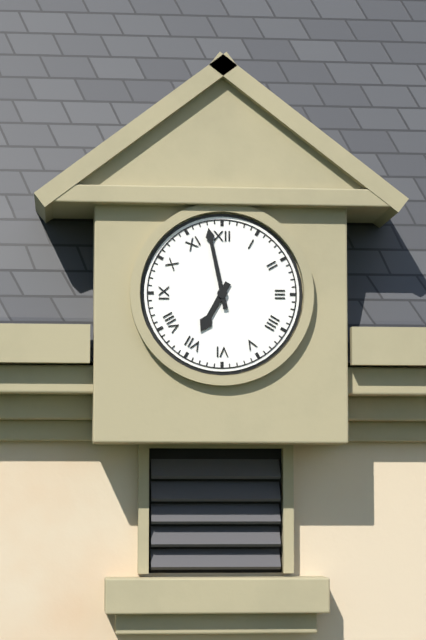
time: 6:58
